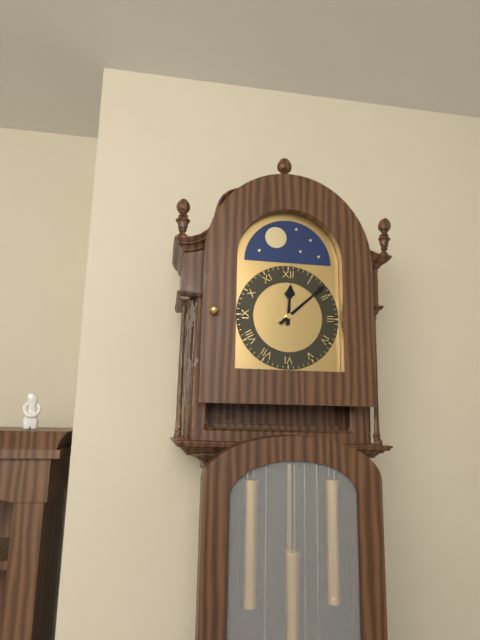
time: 12:08
